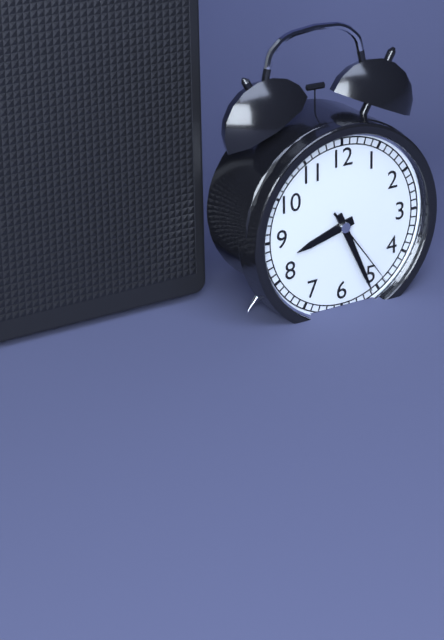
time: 8:26:24
